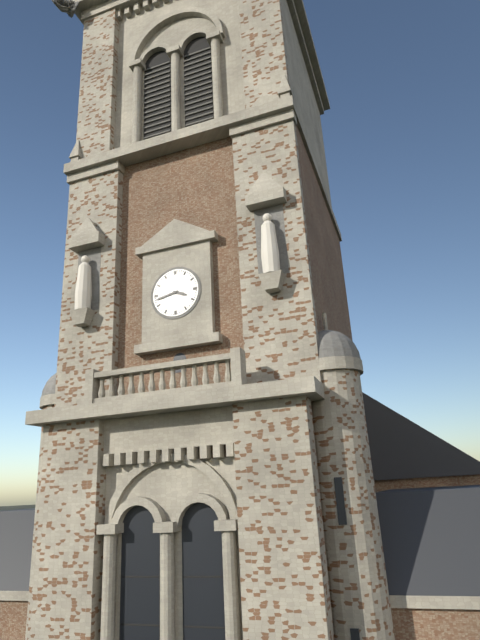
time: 3:43
